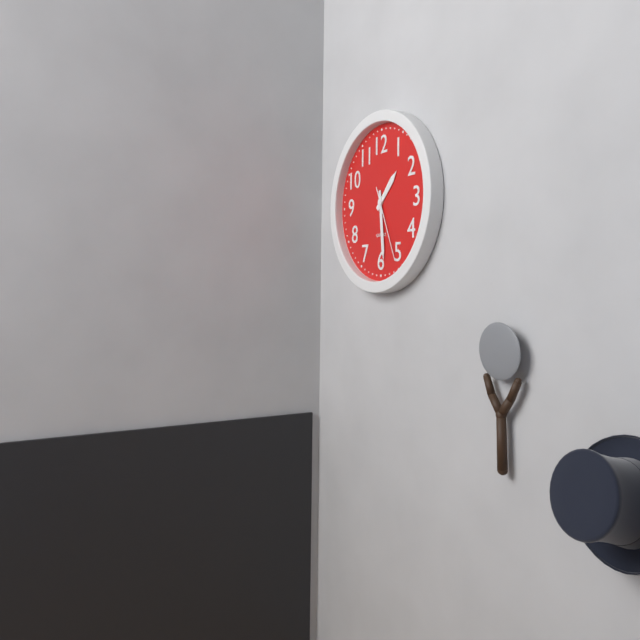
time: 1:29:26
